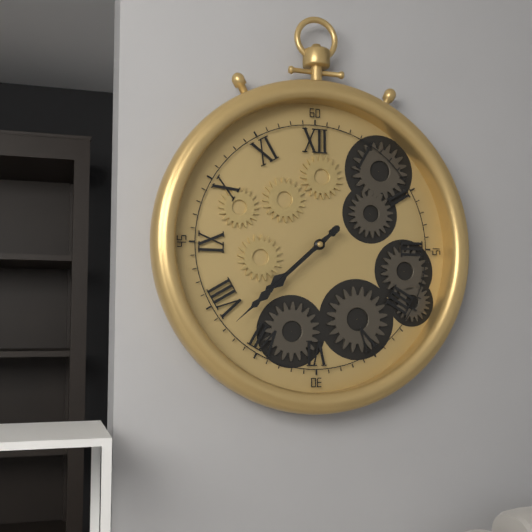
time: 7:38
